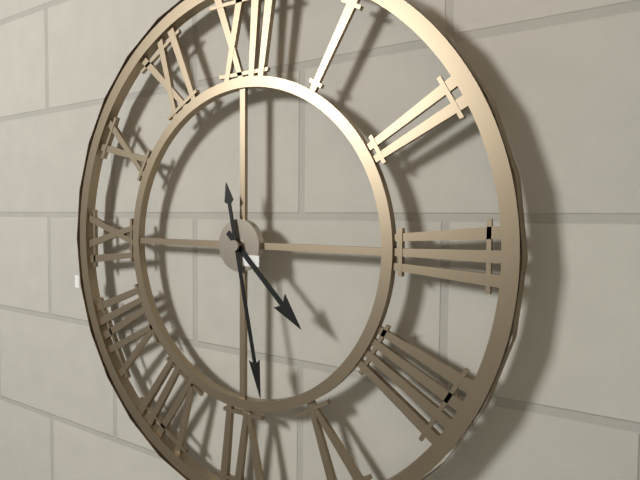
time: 4:28
